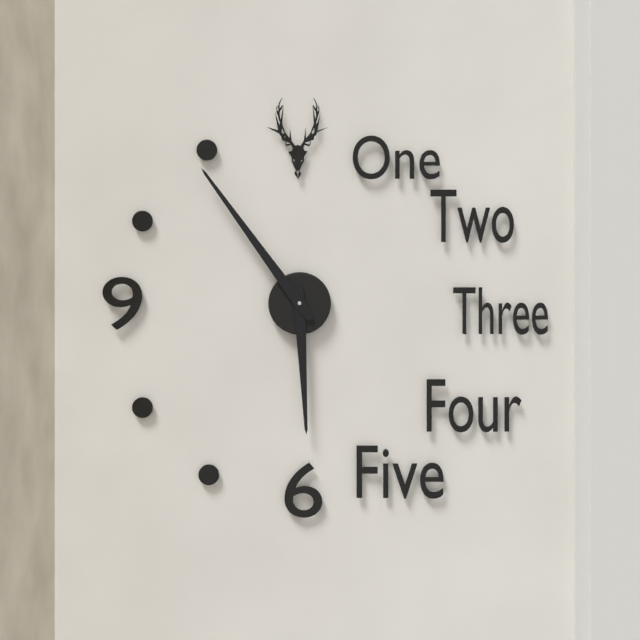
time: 5:54
